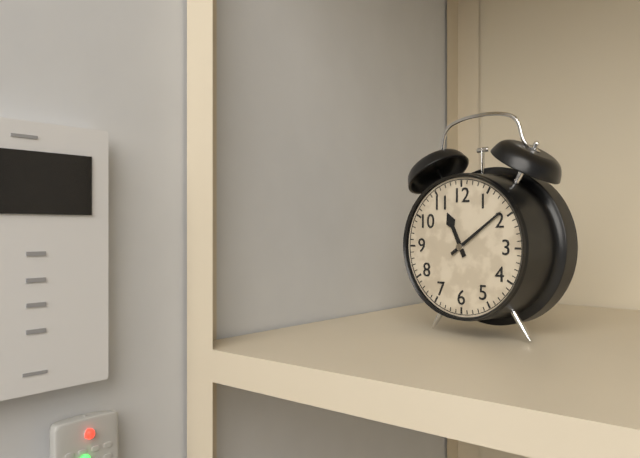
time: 11:09
